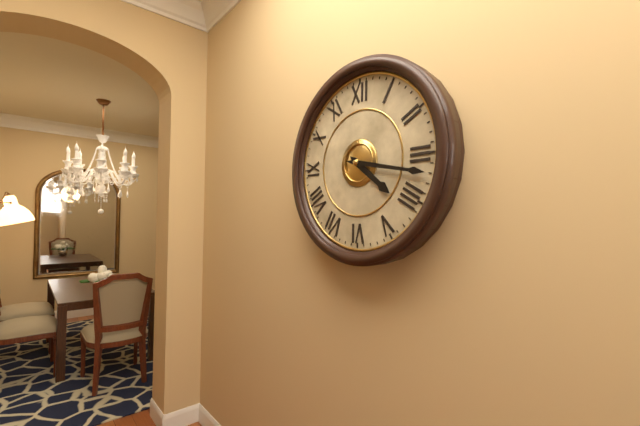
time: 4:17
